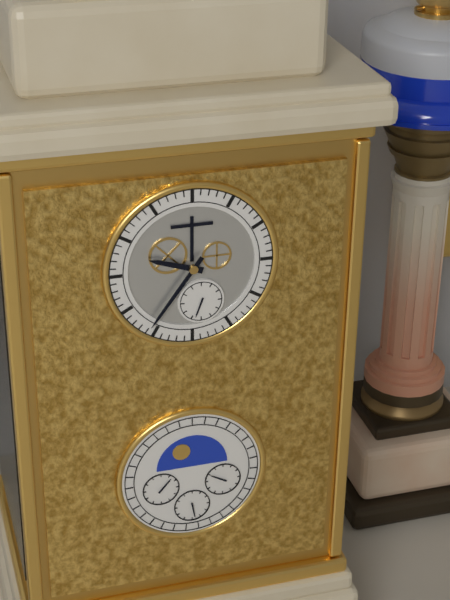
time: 9:36
